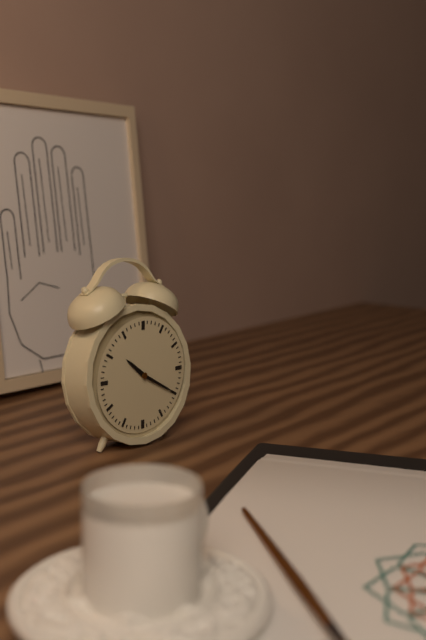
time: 10:20
